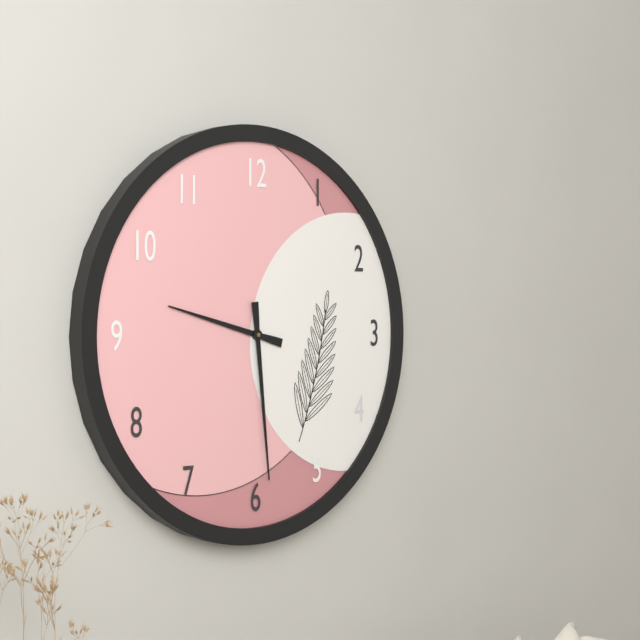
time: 9:29
